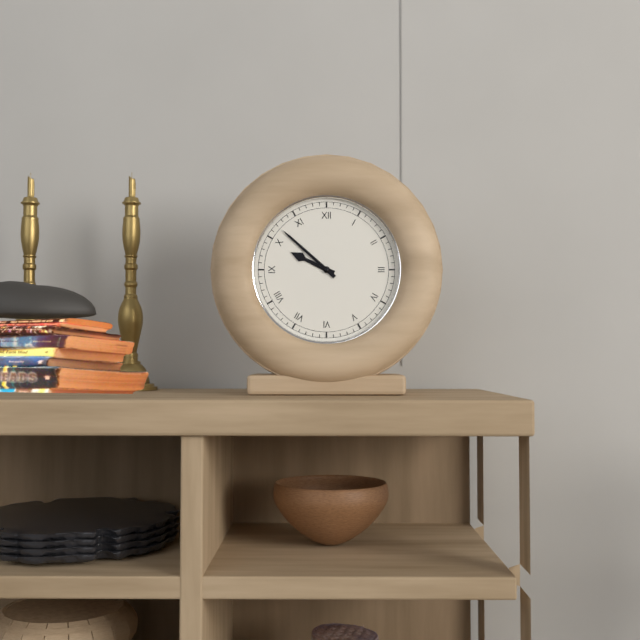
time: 9:52
